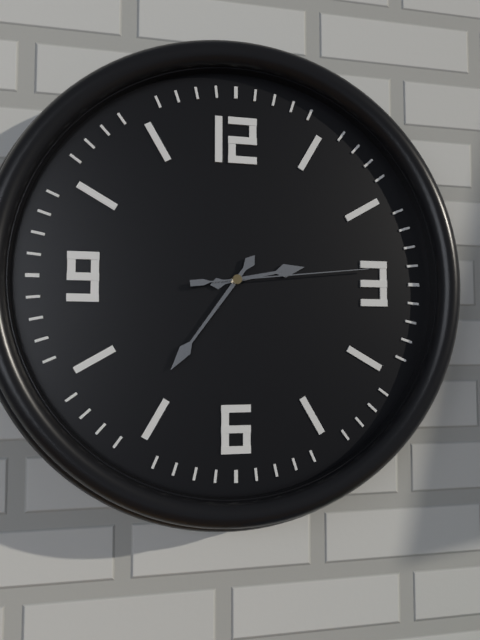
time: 2:36:14
